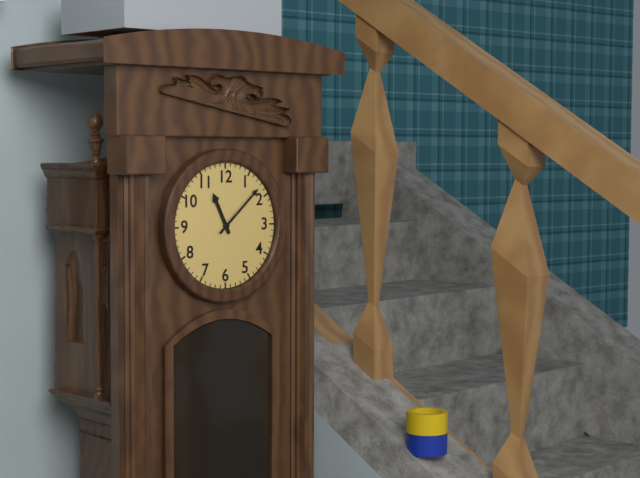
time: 11:08
